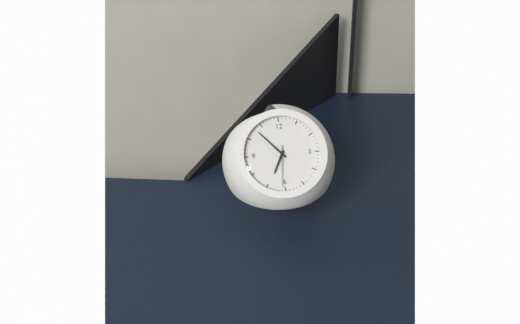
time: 6:53
